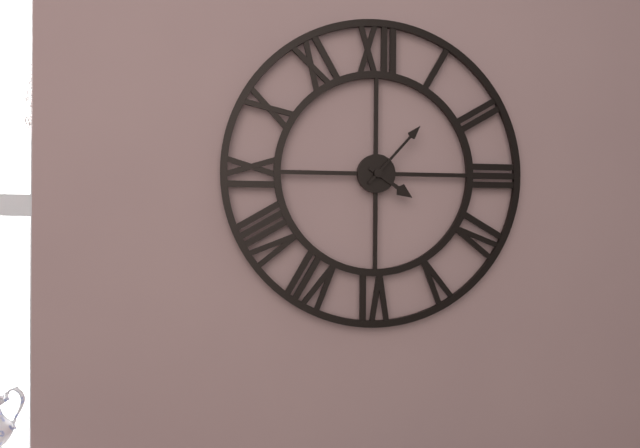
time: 4:07
